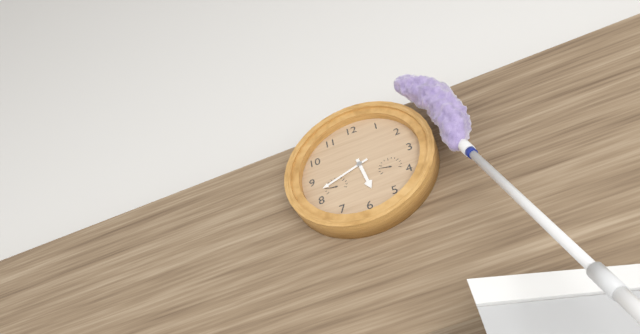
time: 5:42
